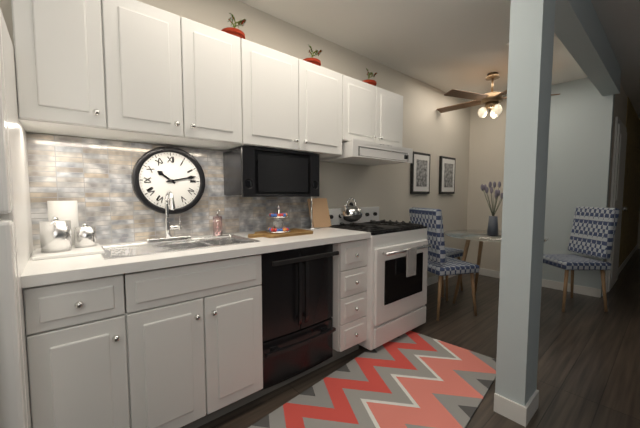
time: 10:13
